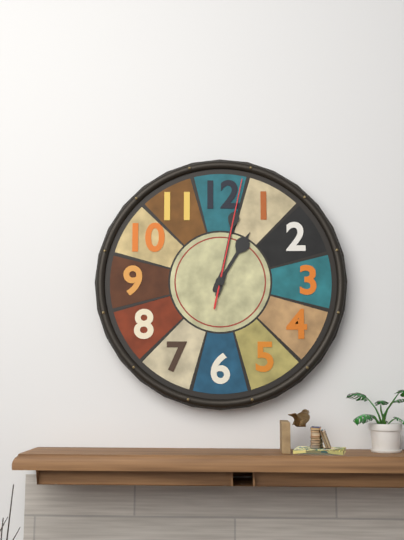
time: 1:02:02
